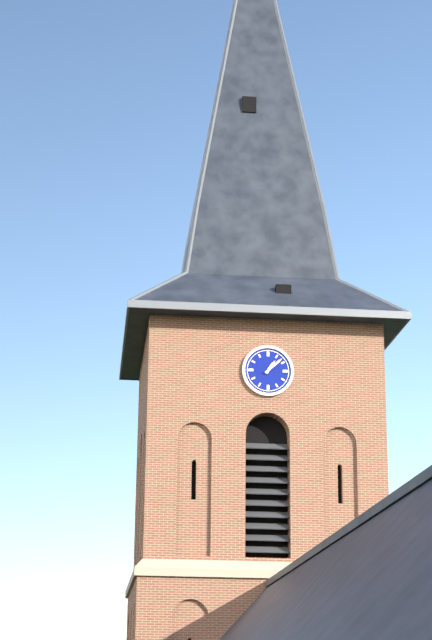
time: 1:08
